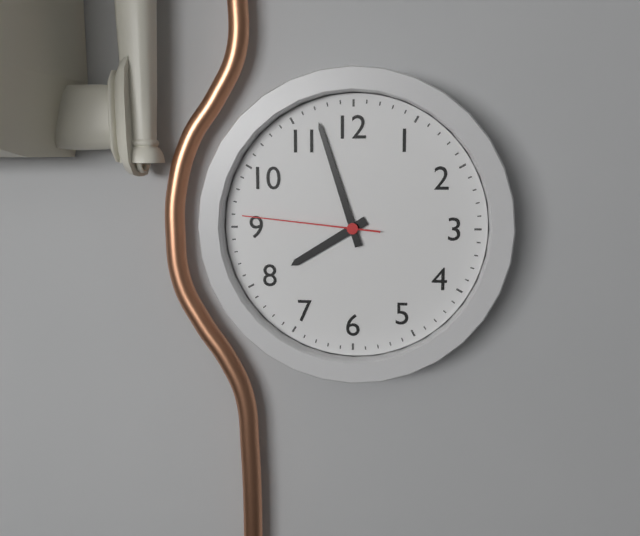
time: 7:57:46
